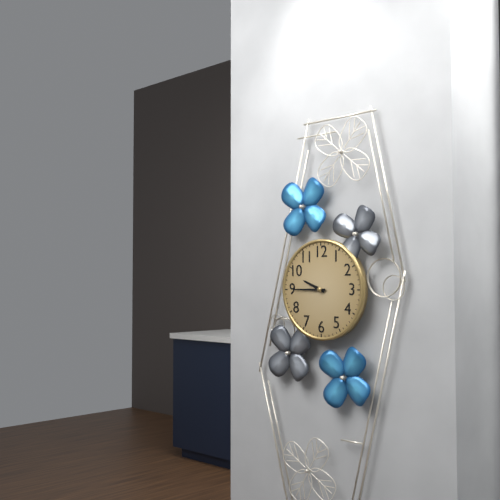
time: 9:45
